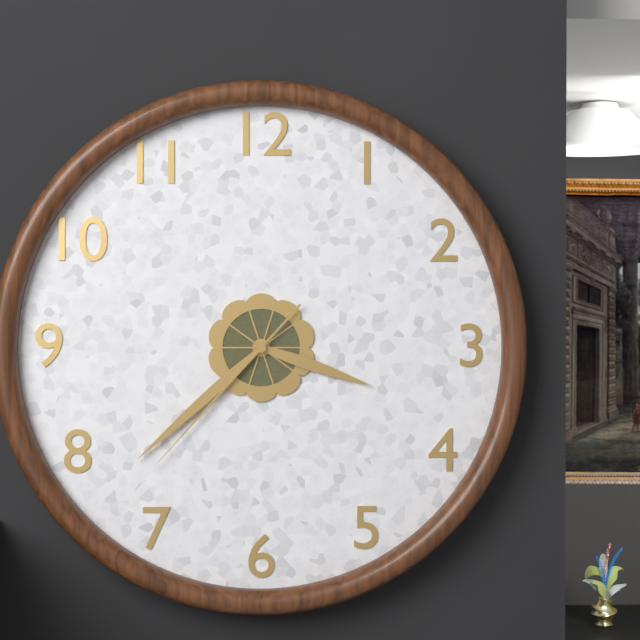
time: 3:38:37
